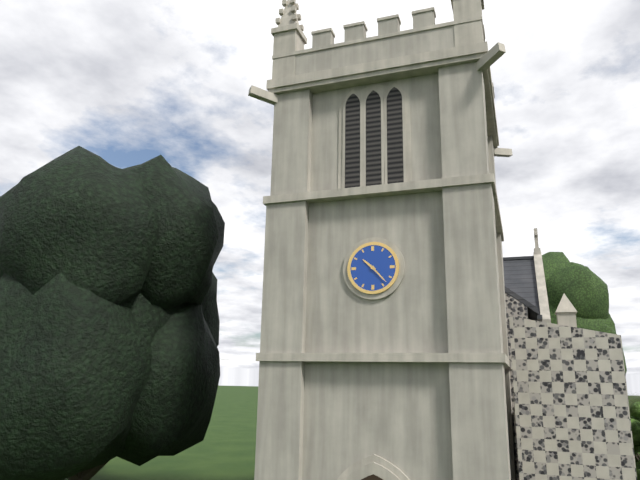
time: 10:23
